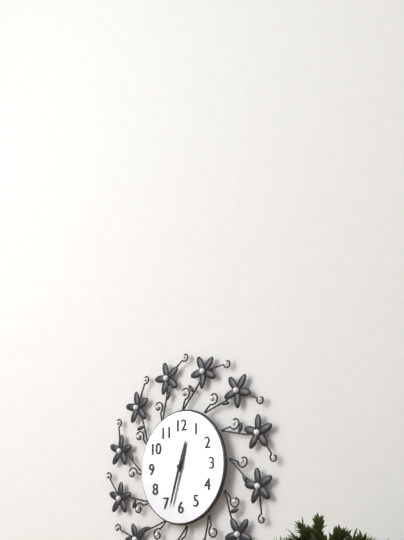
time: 12:33
